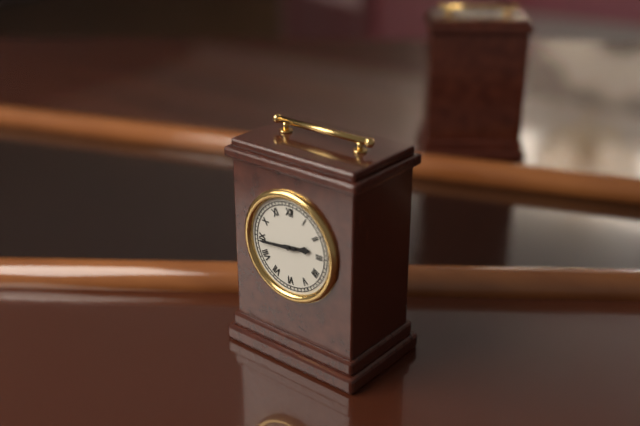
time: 2:44
